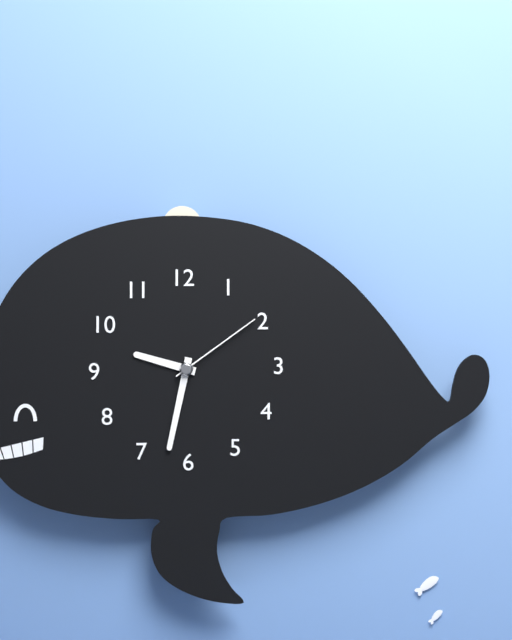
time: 9:32:09
